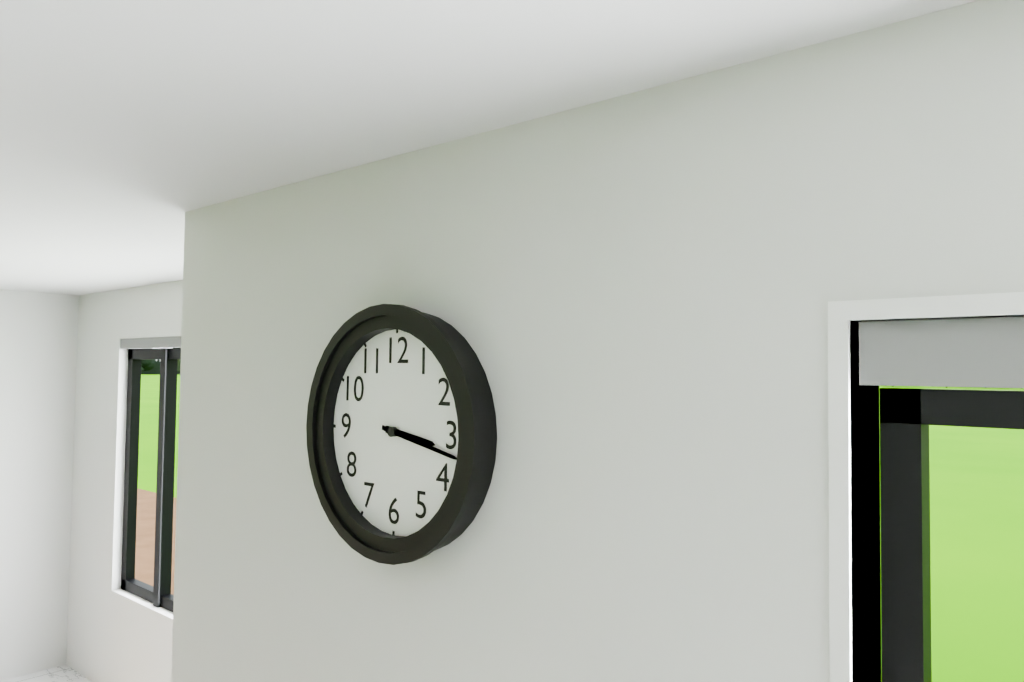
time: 3:17
